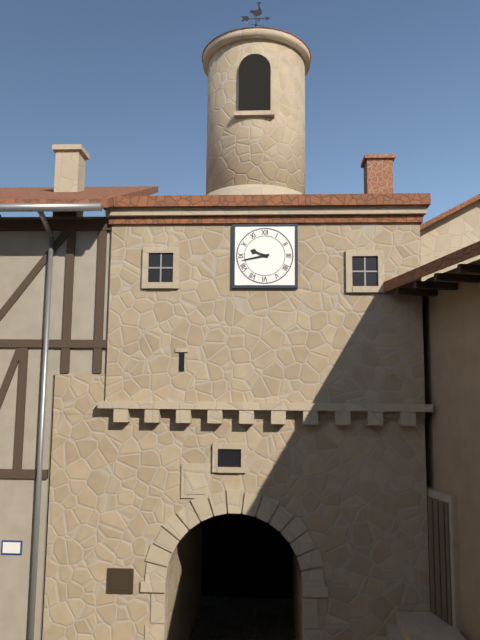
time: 9:43
